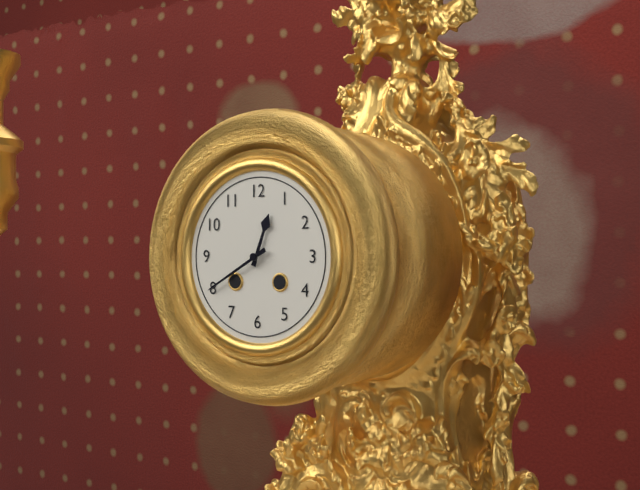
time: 12:40
